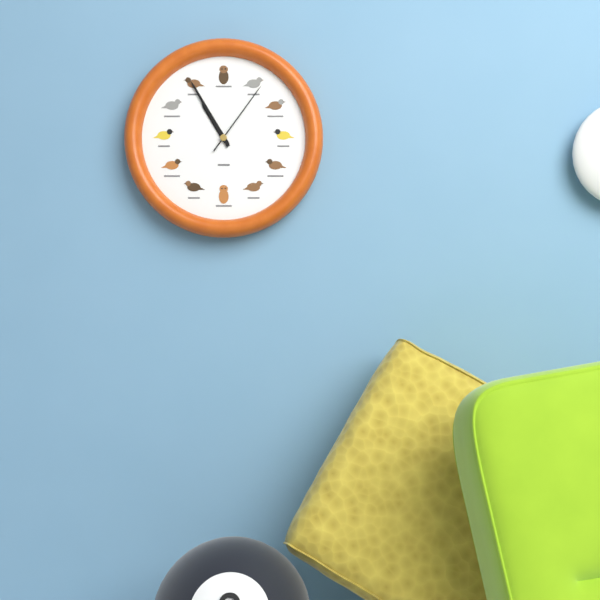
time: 10:55:06
